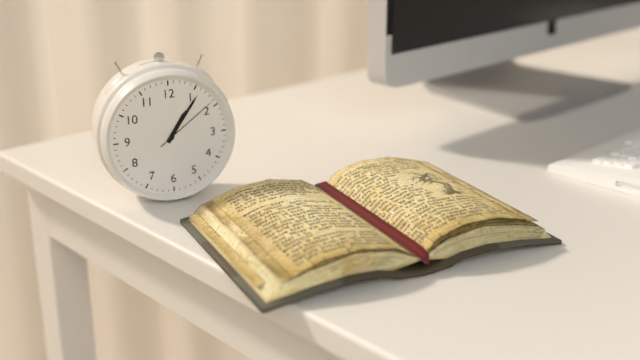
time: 1:06:09
